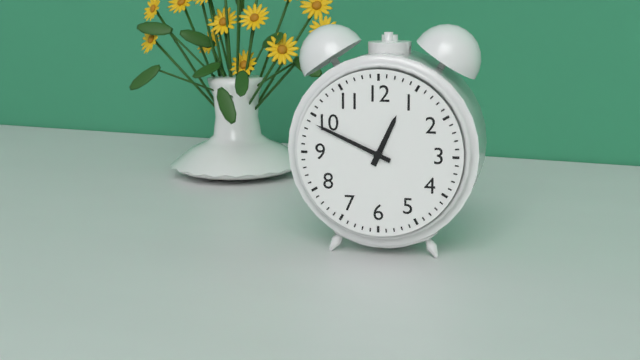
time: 12:49
